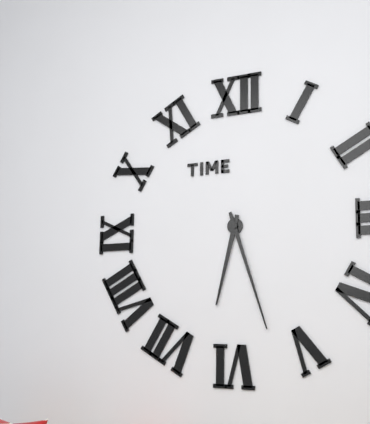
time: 6:27
